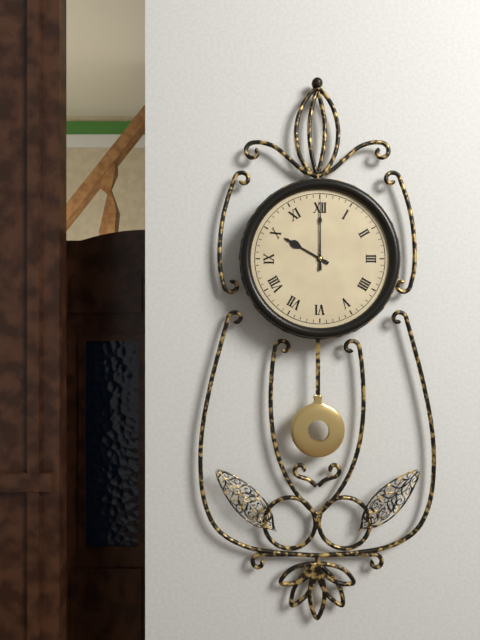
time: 10:00
